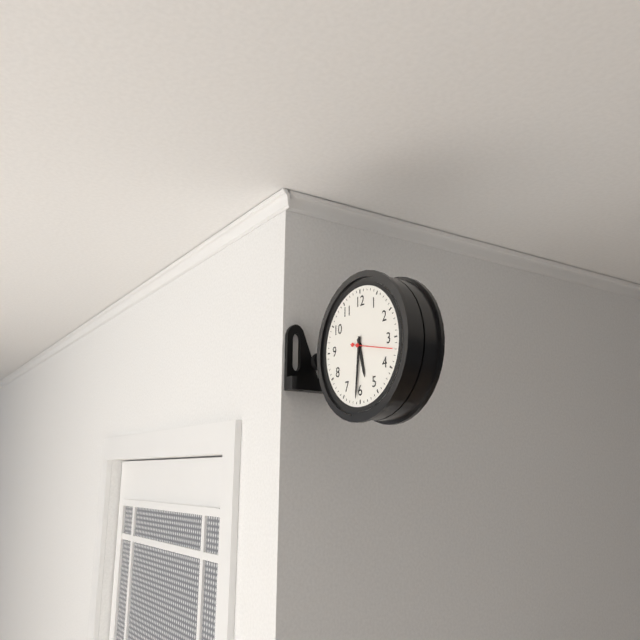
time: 5:31
